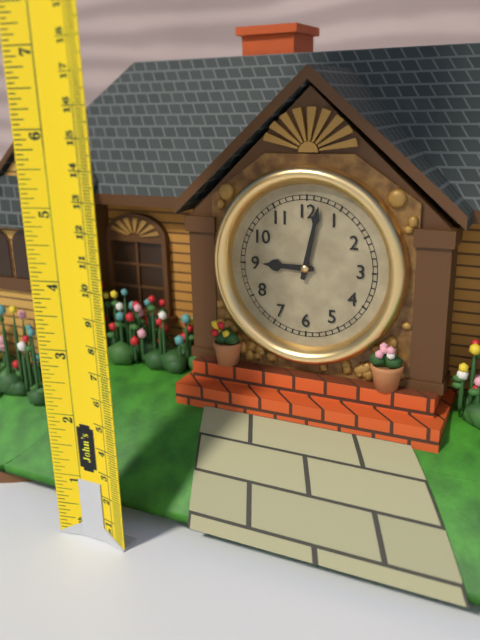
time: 9:02
